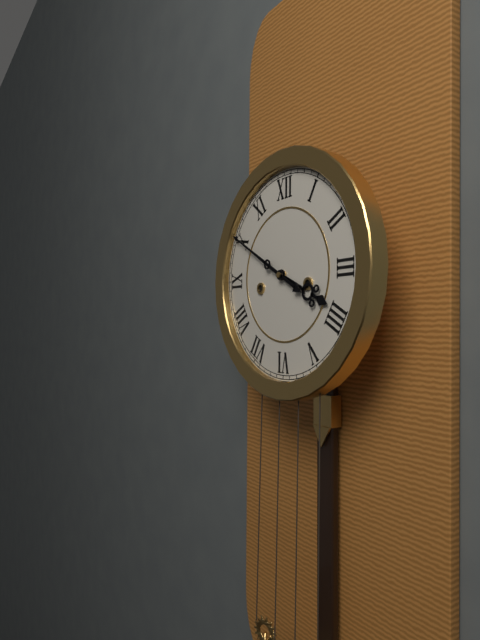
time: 3:50
